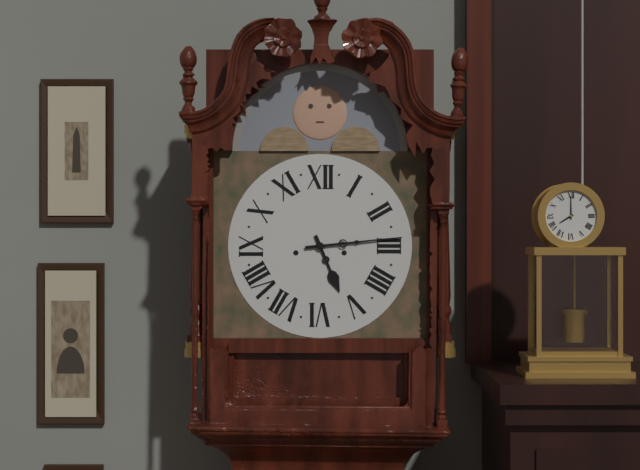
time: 5:14
